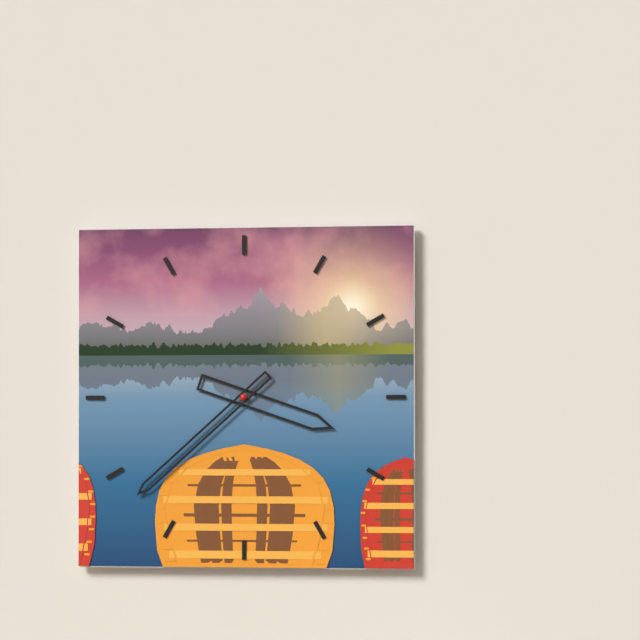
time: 3:38
